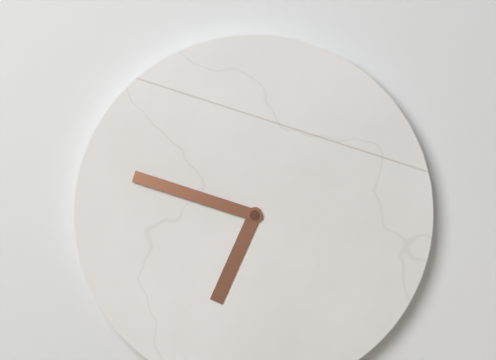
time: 6:48
